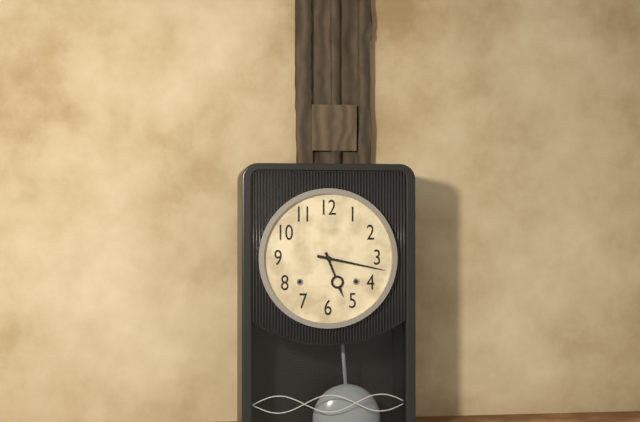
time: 5:17
